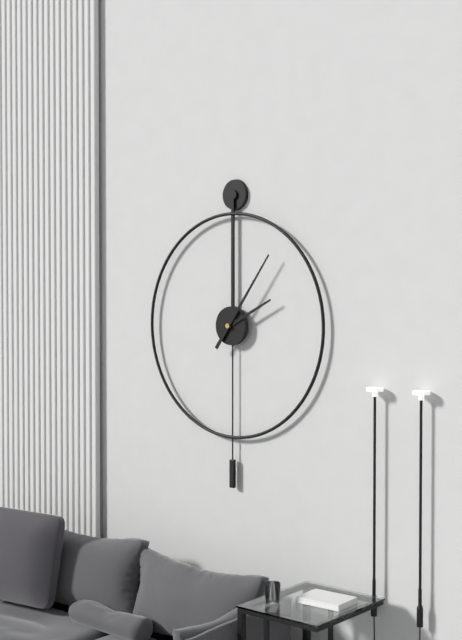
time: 2:06
